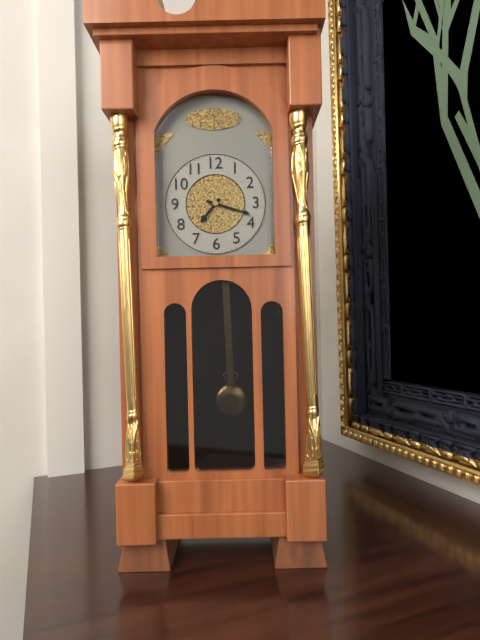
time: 7:18
